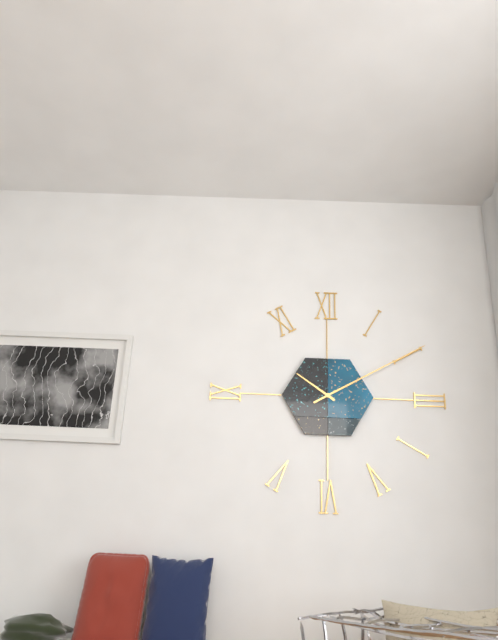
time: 10:10
